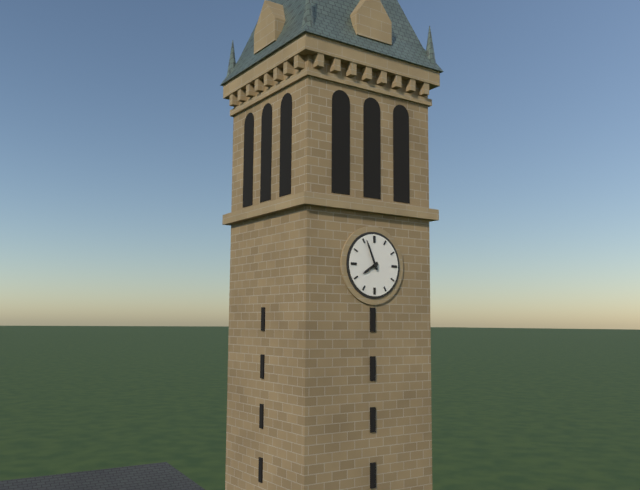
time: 7:56
